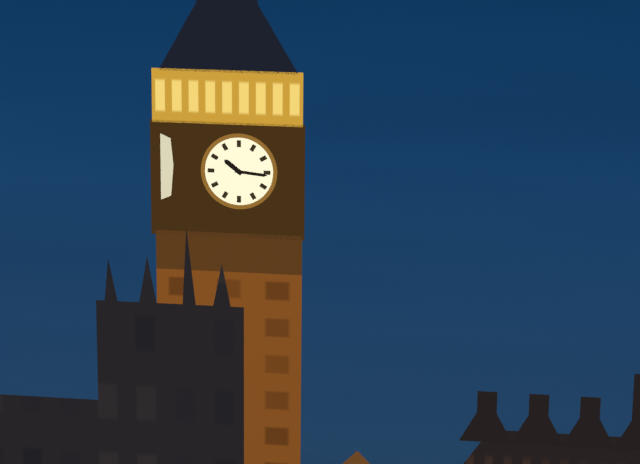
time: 10:16
